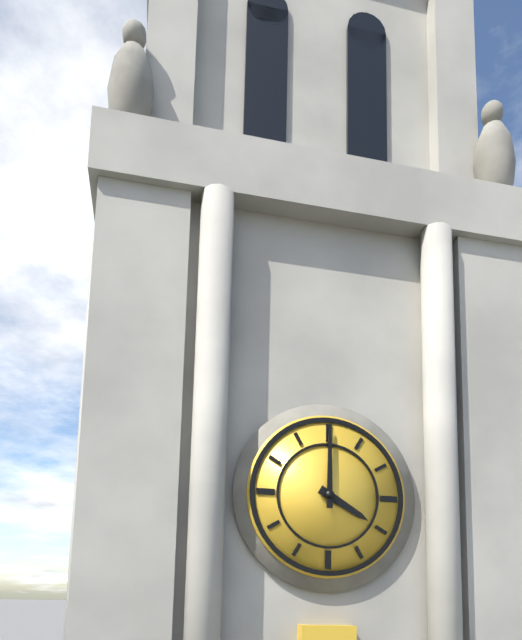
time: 4:00
